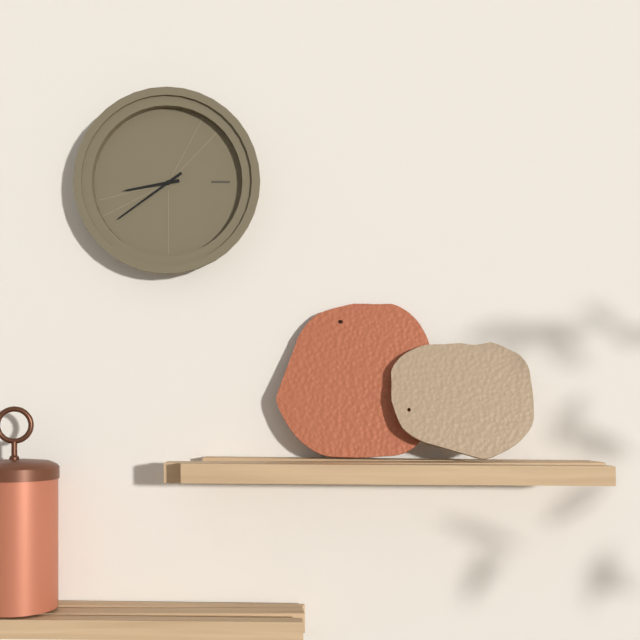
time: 8:39
